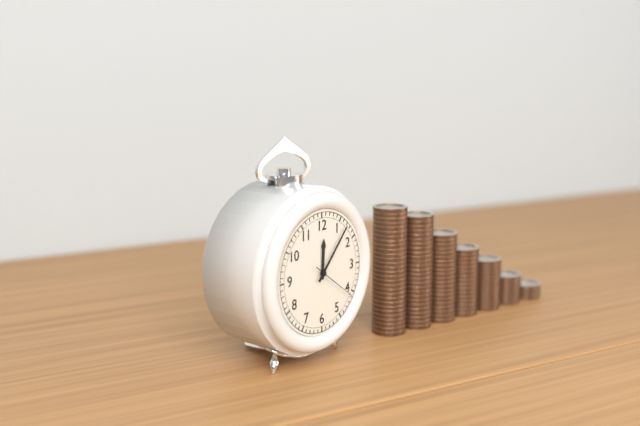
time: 12:07
